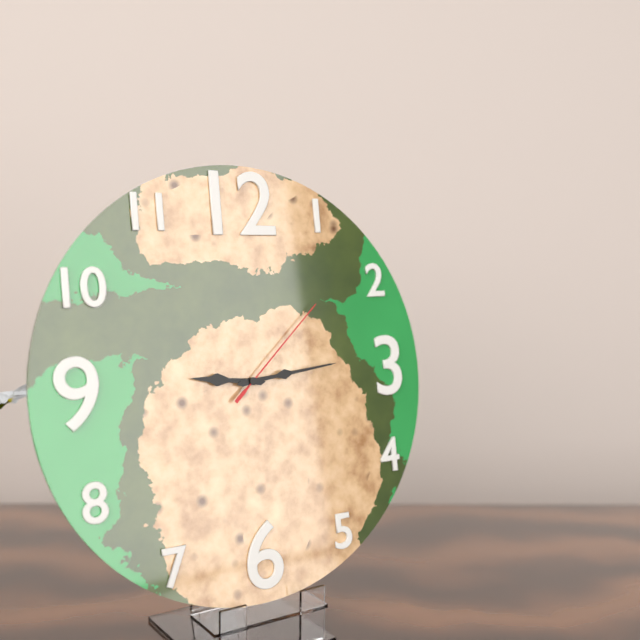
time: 9:14:08
